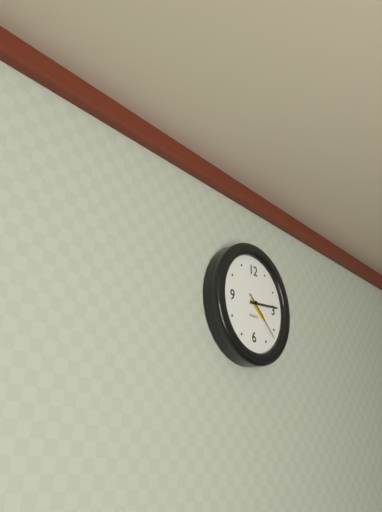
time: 4:14:22
